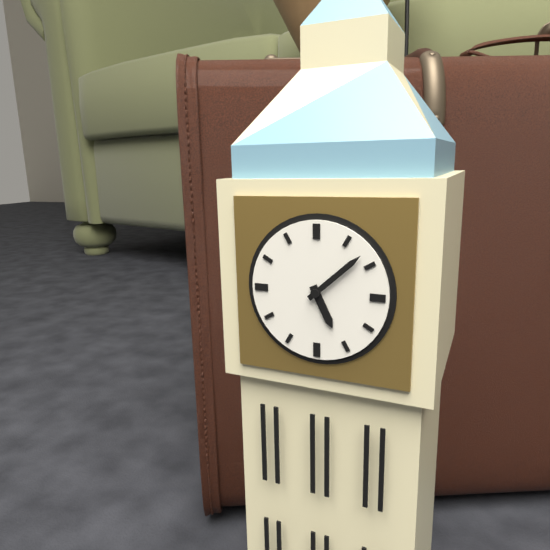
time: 5:08
